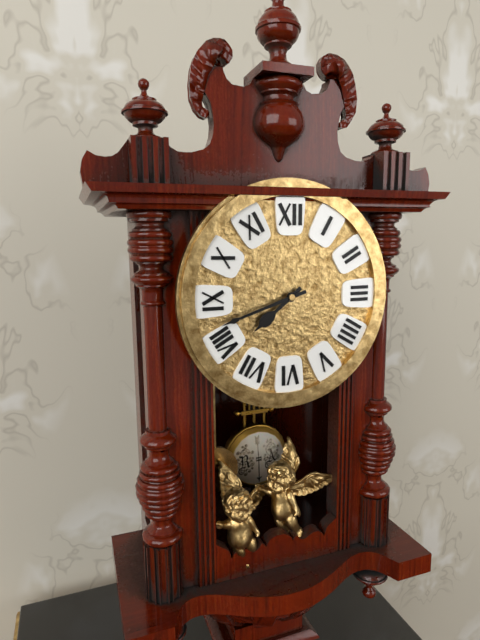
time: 7:42
